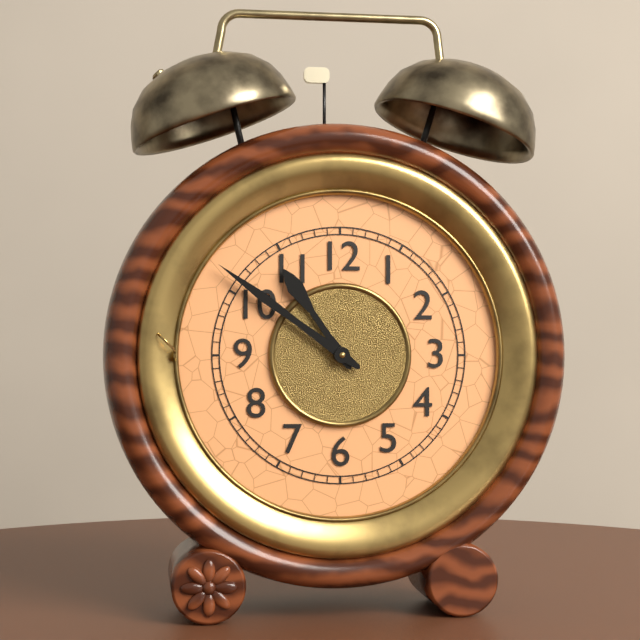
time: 10:51
